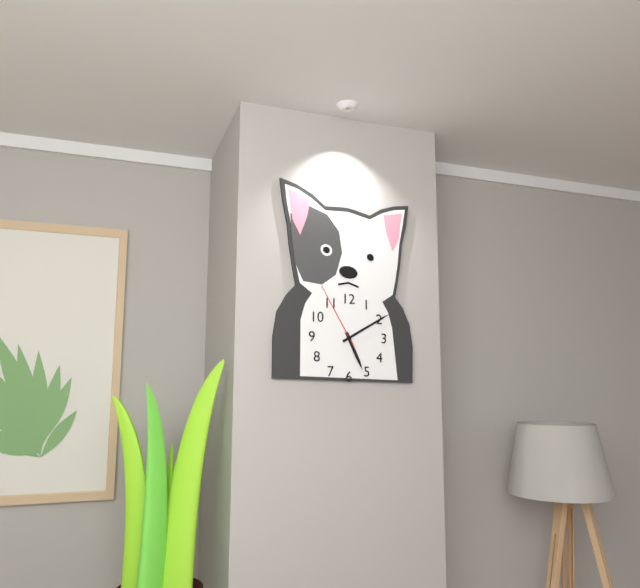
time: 5:10:55
